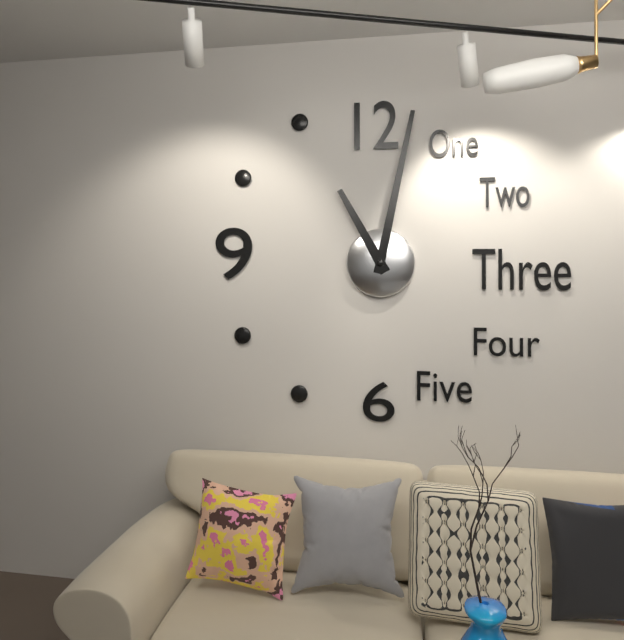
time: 11:02
